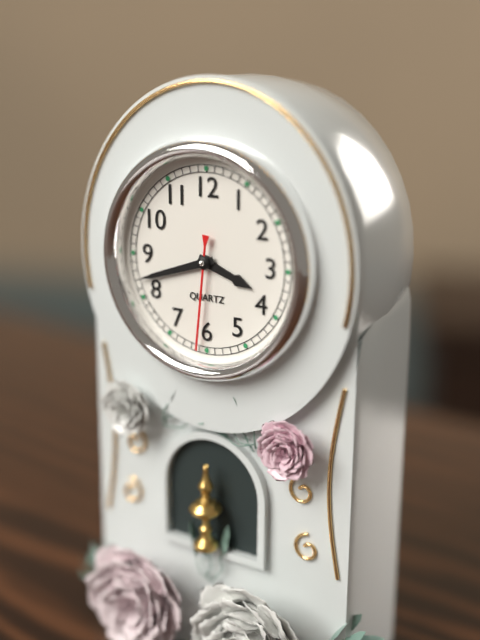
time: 3:42:31
